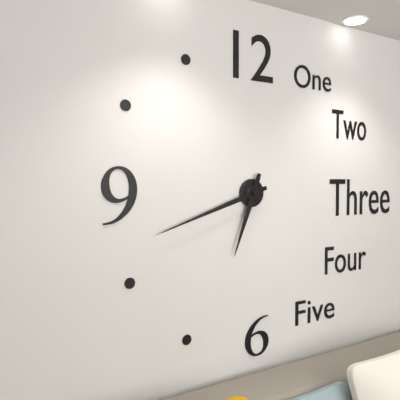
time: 6:42
